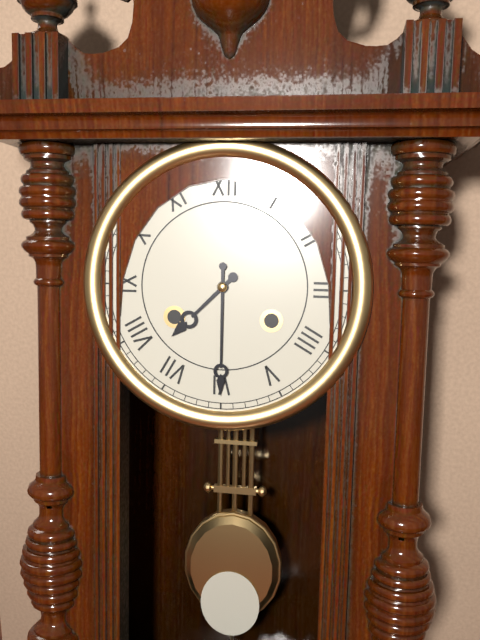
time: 7:30
